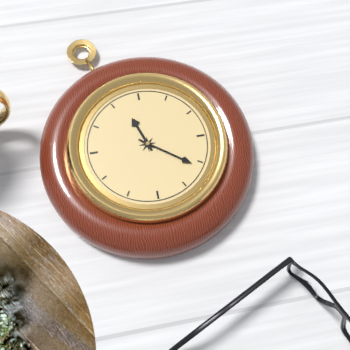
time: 11:21
